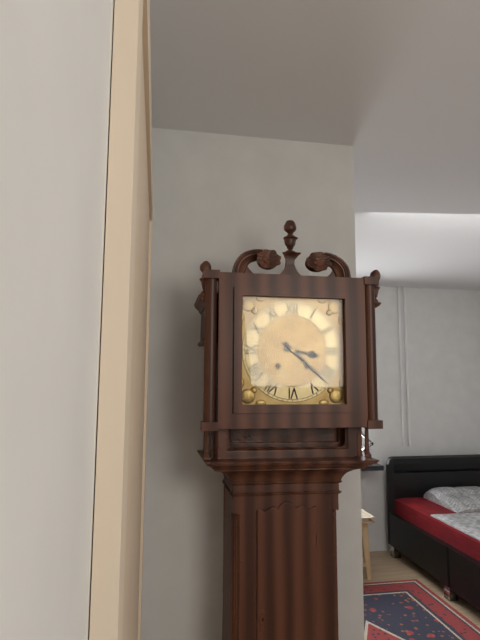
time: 3:22
